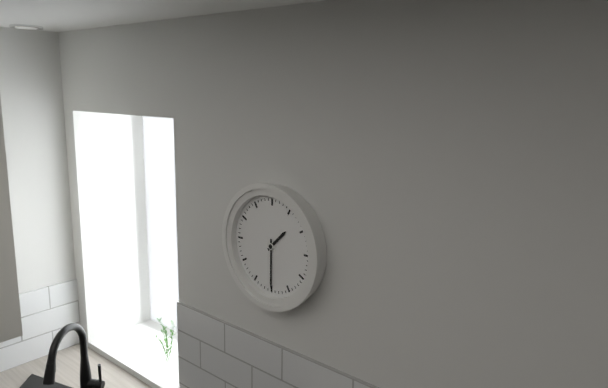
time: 1:30
